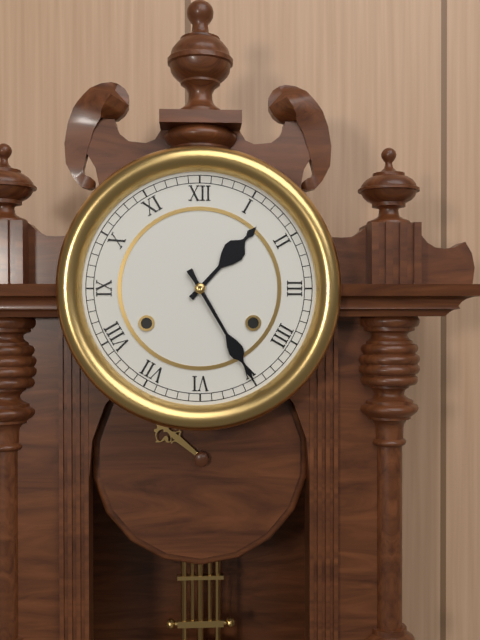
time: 1:25
